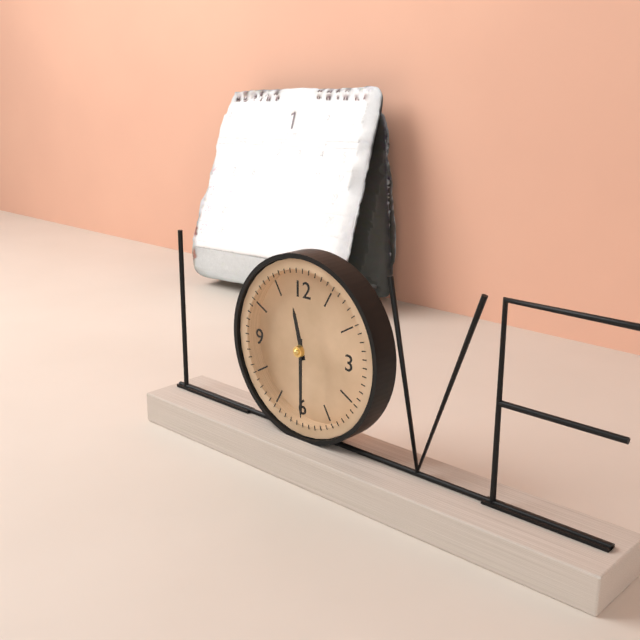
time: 11:30
